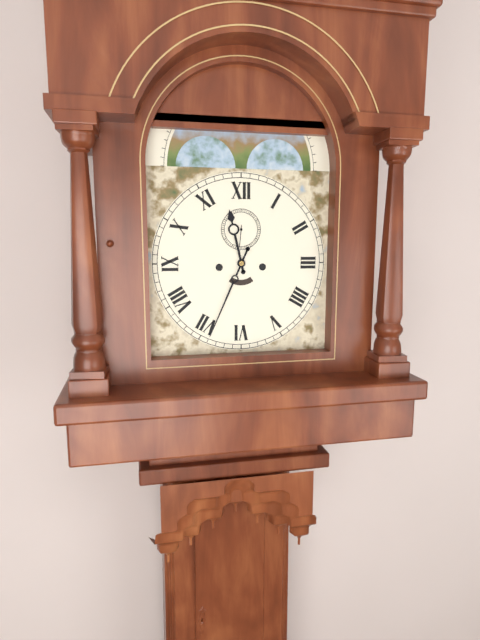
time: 11:34
